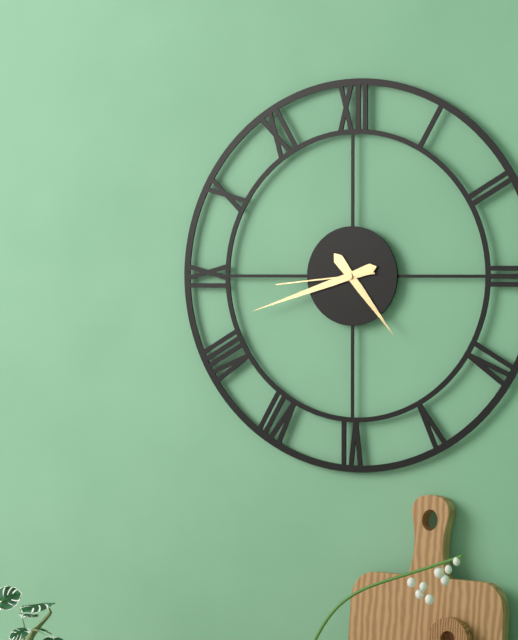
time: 4:42:44
